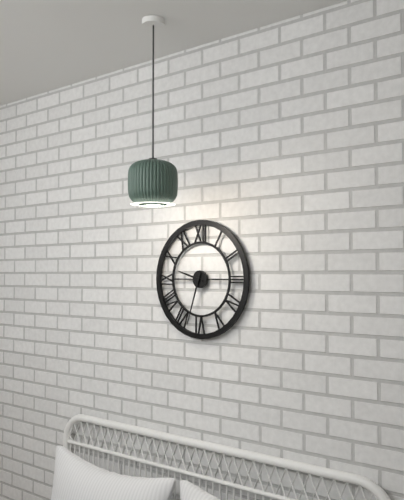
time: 9:33
